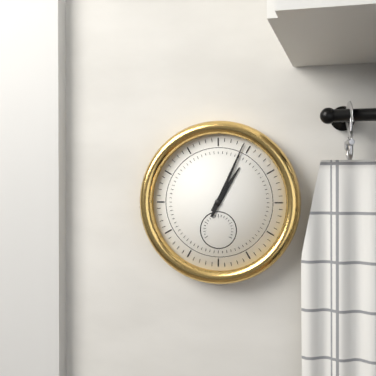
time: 1:04
